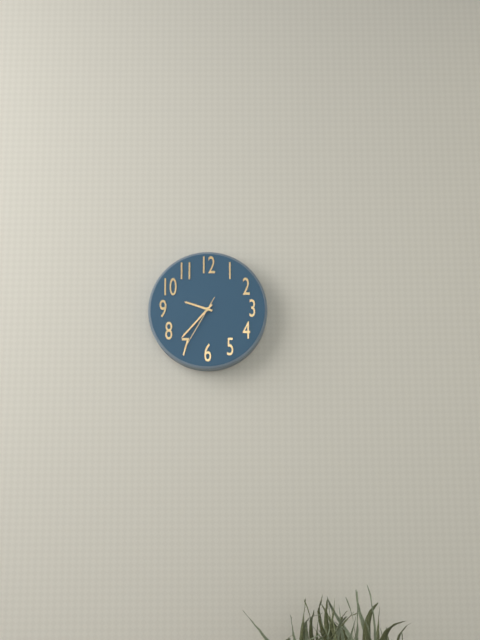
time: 9:37:35
